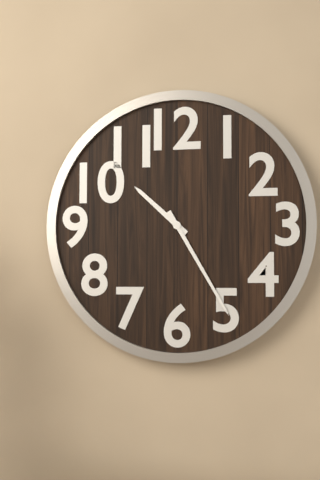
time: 10:25
